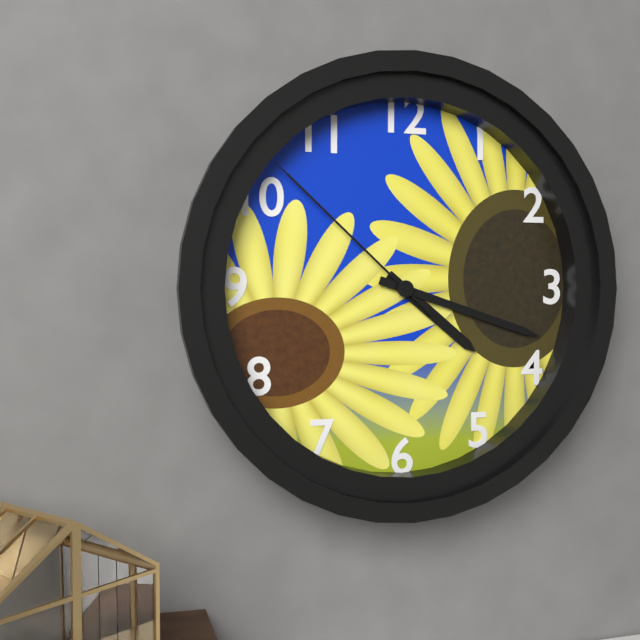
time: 4:18:52
